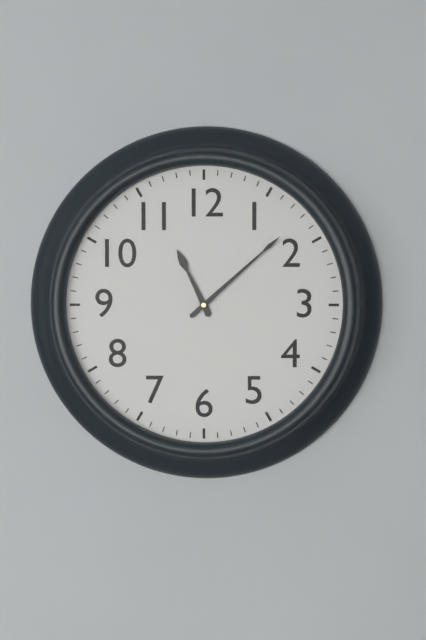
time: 11:08
